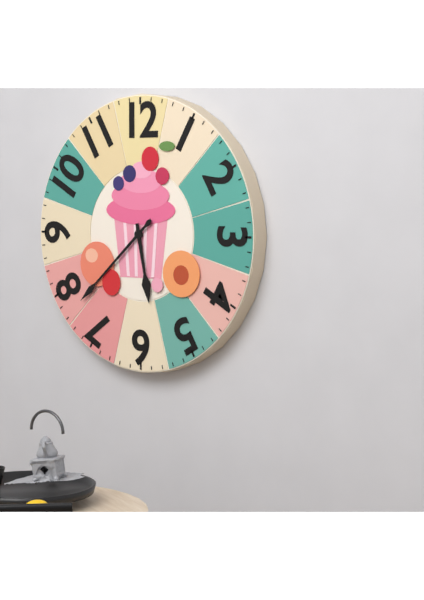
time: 5:38
